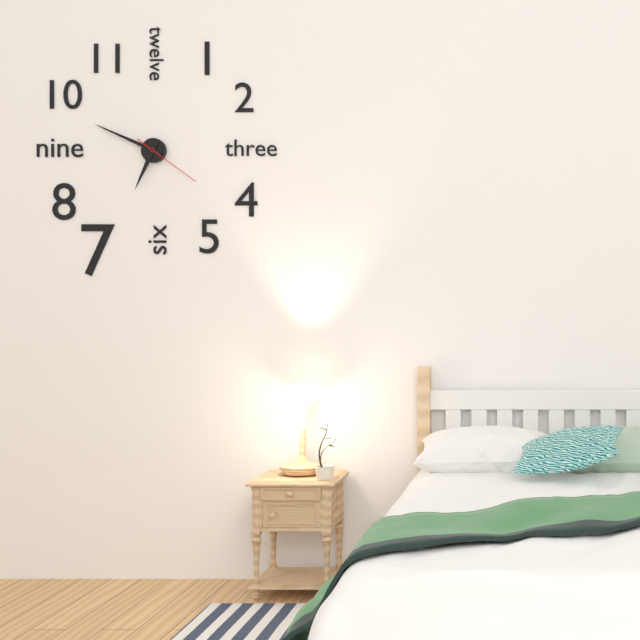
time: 6:49:21
